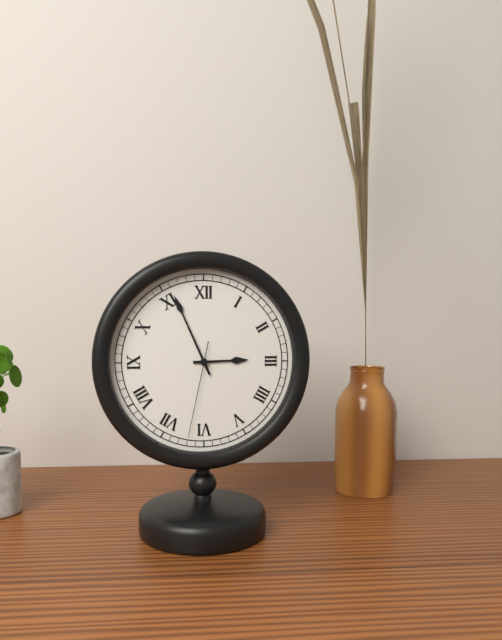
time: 2:56:32
